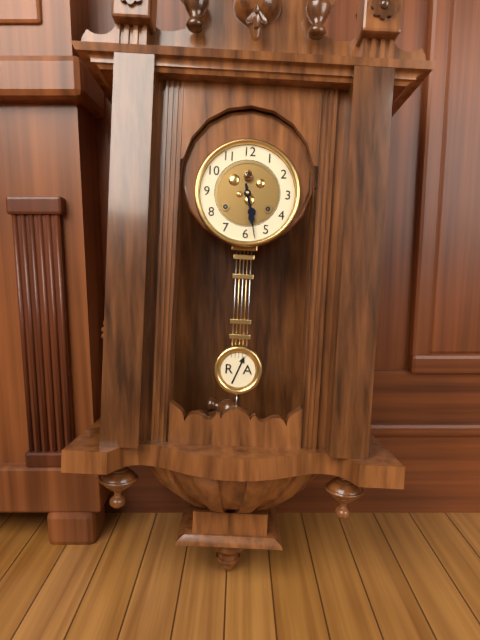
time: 5:28
